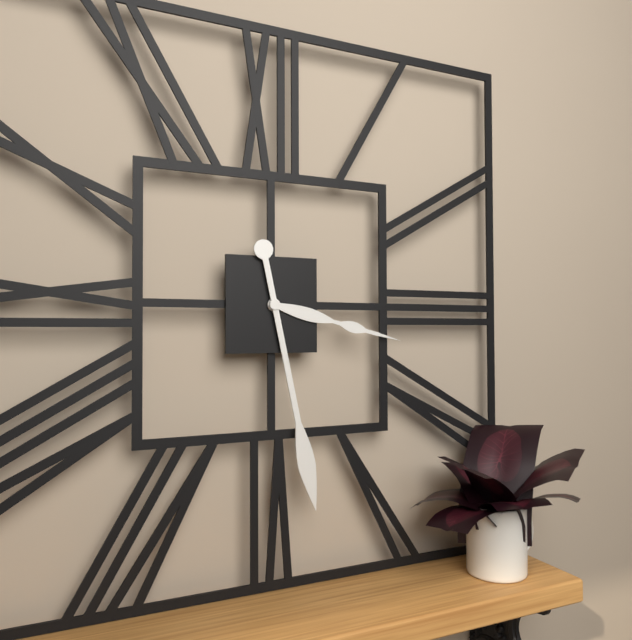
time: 3:28
